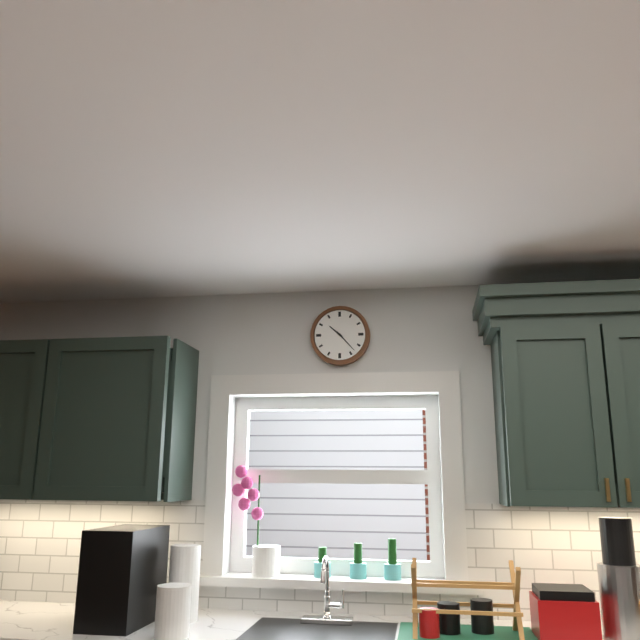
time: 10:23
